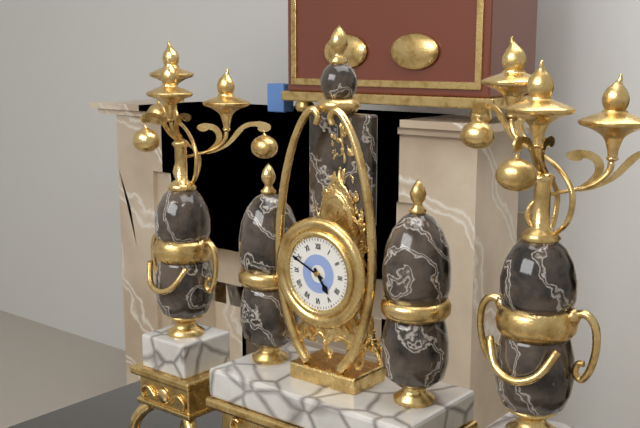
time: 4:49
